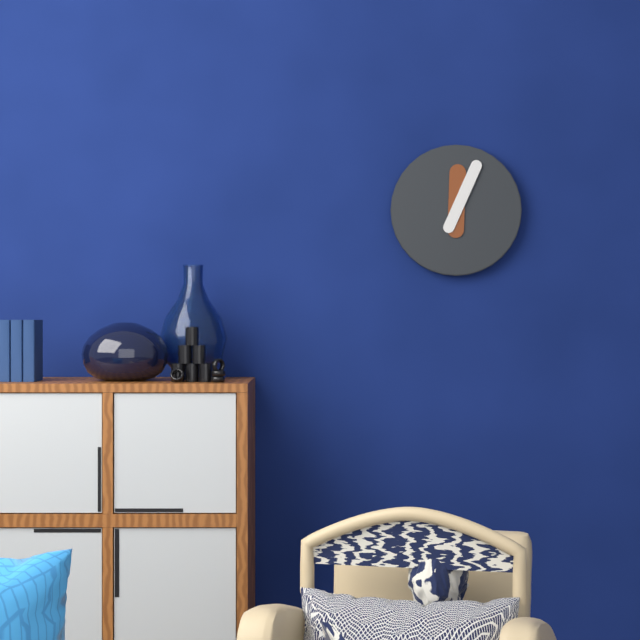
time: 12:04
